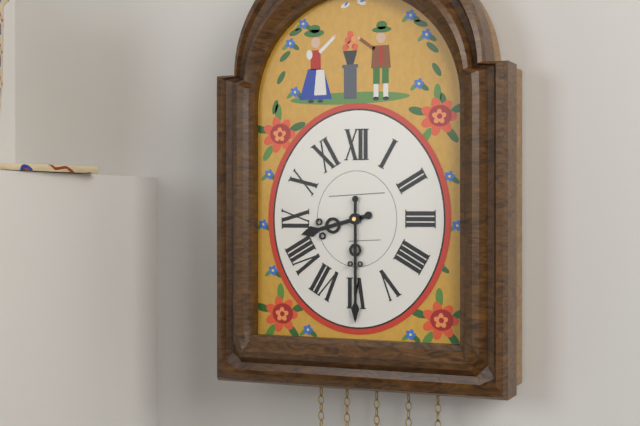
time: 8:30
